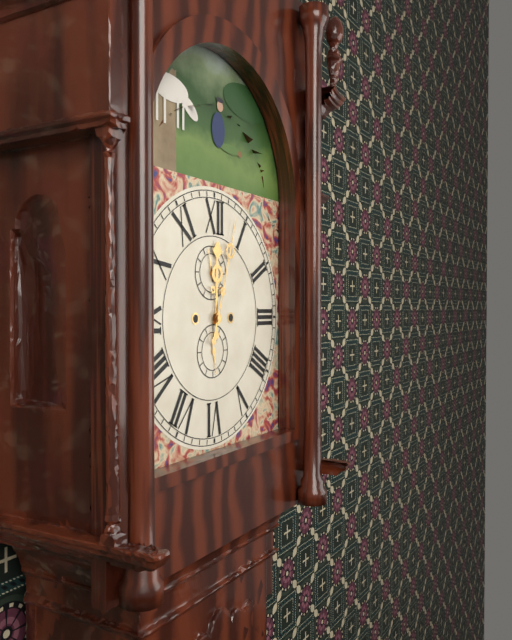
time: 12:03
